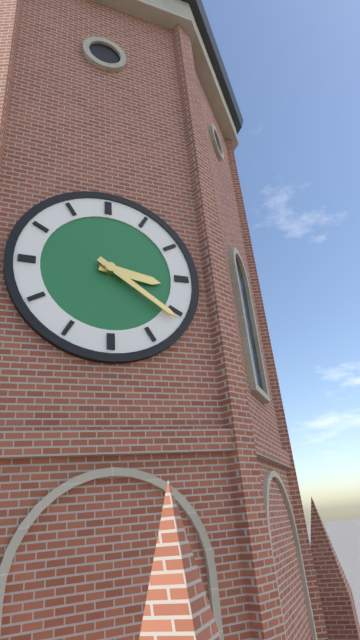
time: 3:21
